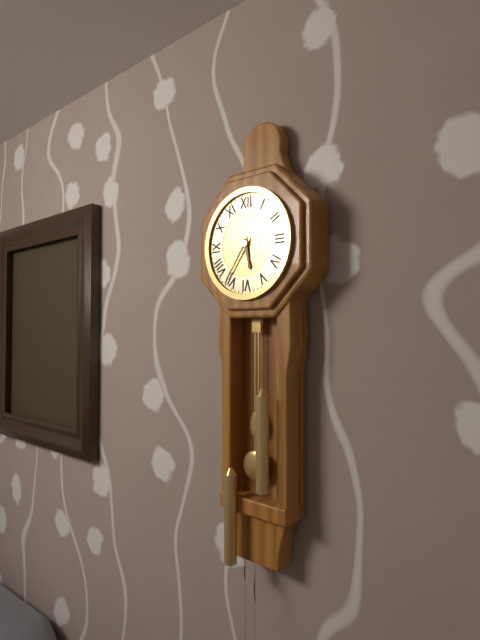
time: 5:36
